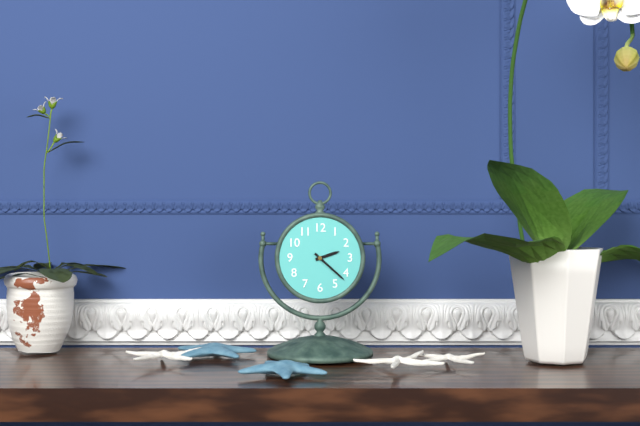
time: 2:22
